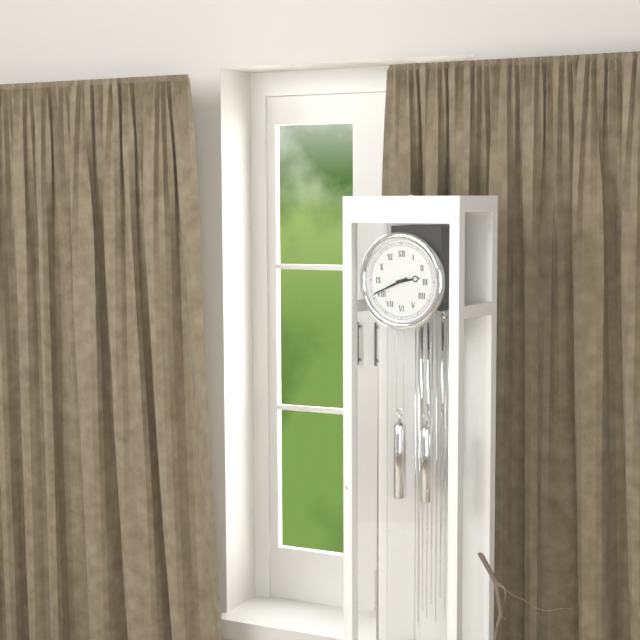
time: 2:41
